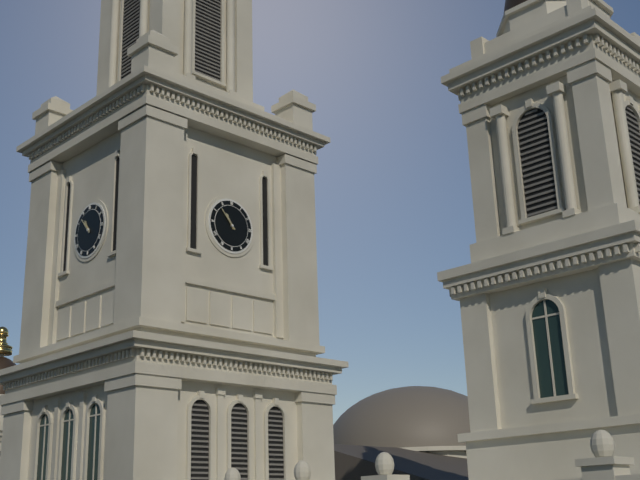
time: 10:53
